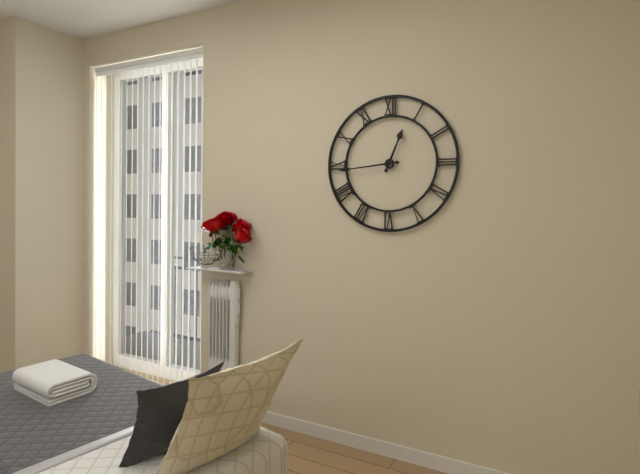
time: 12:44
